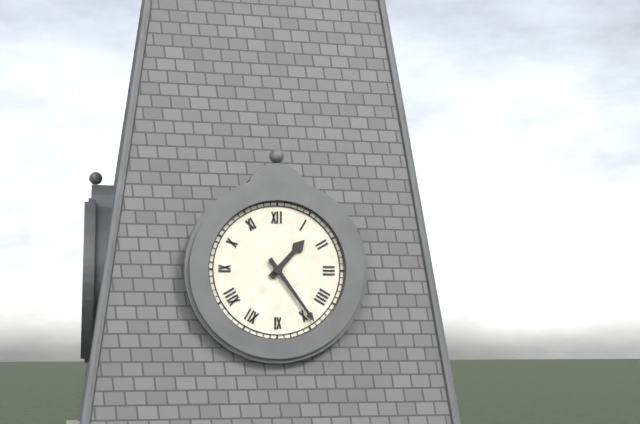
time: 1:24
